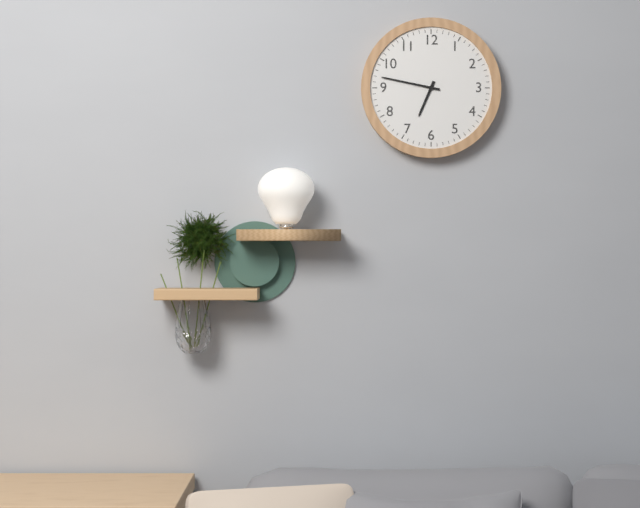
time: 6:47
